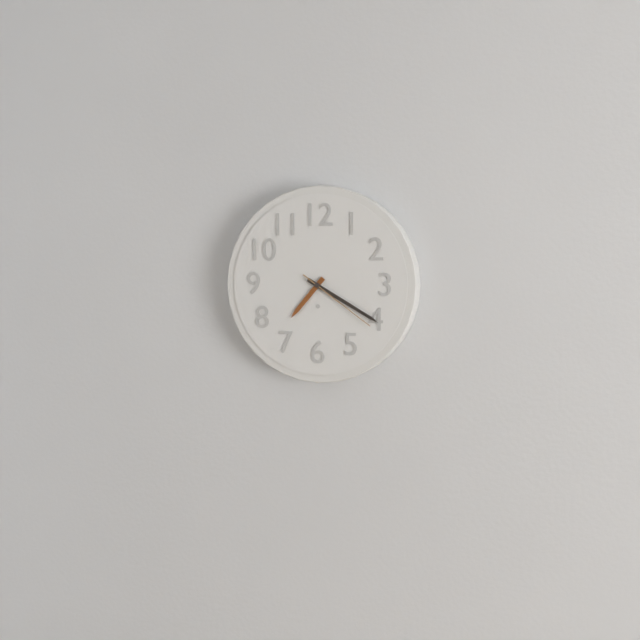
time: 7:20:21
